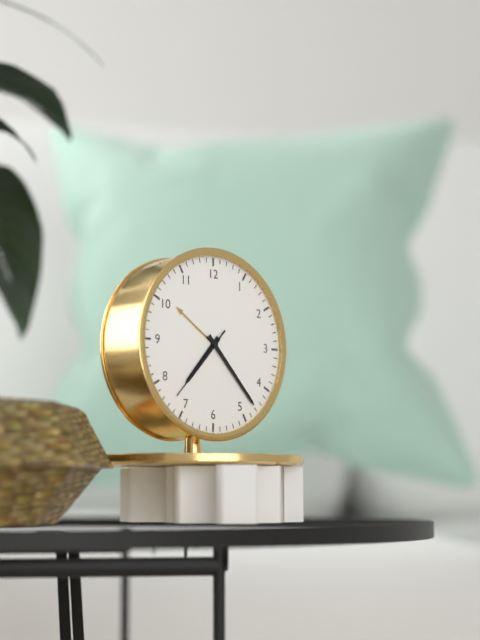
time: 7:23:37
